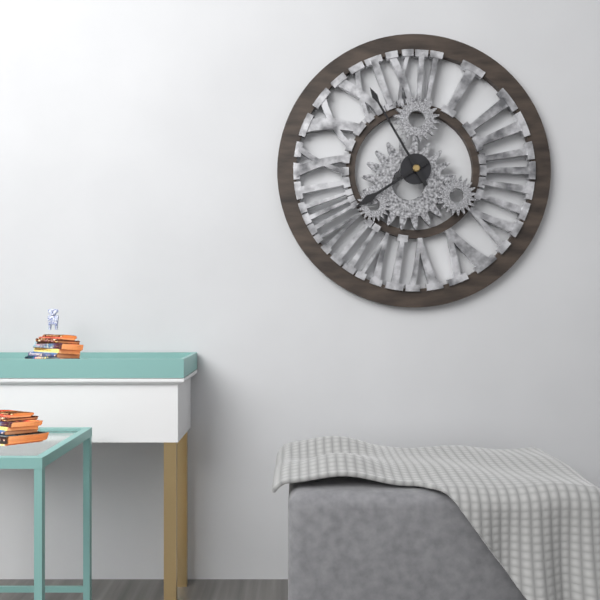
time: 7:55
